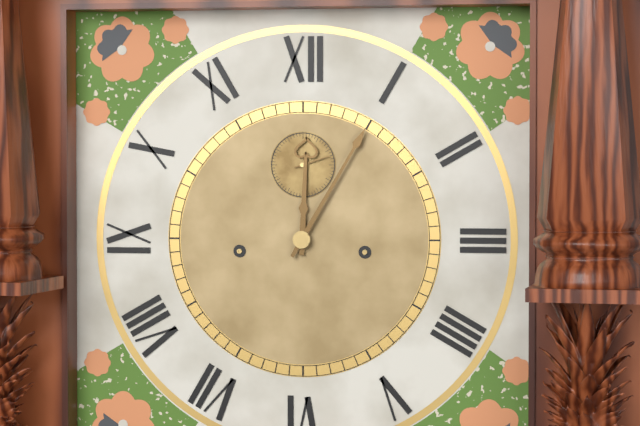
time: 12:05
